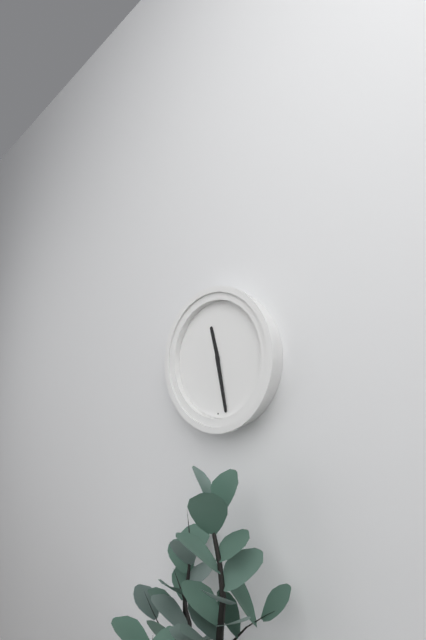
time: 11:28
